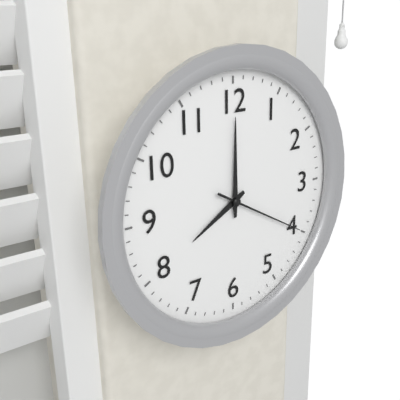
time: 8:00:20
